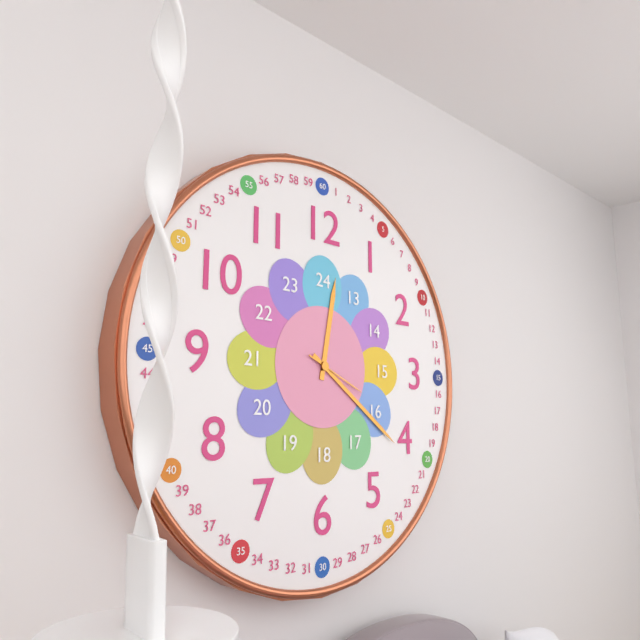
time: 12:21:19
